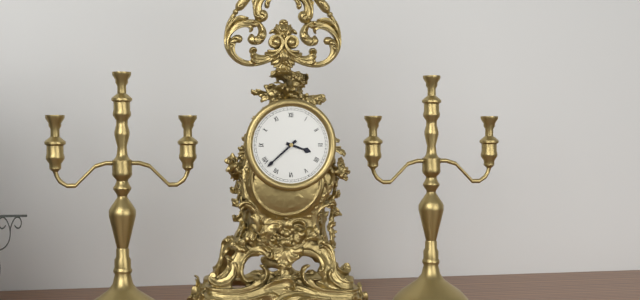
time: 3:38
